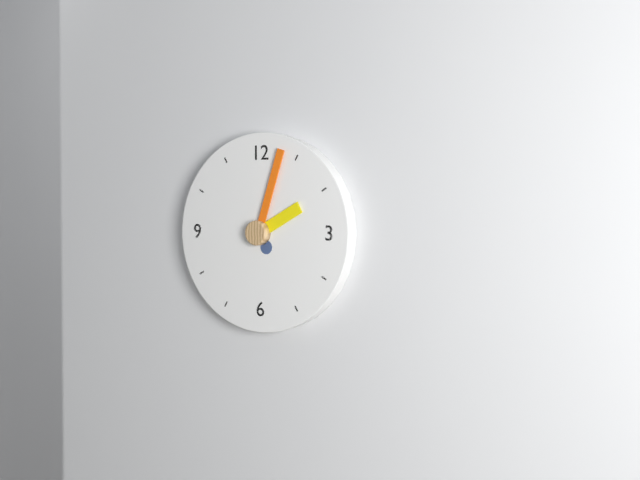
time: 2:03
